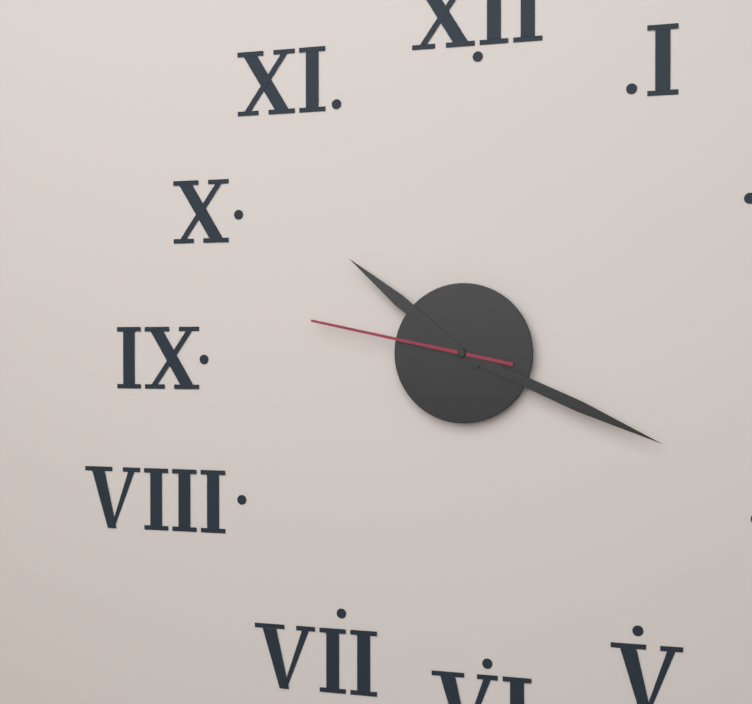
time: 10:19:47
